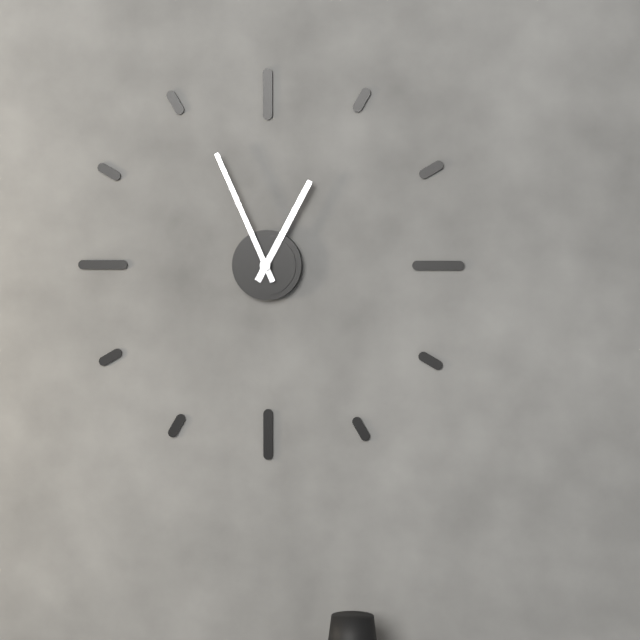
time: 12:56
